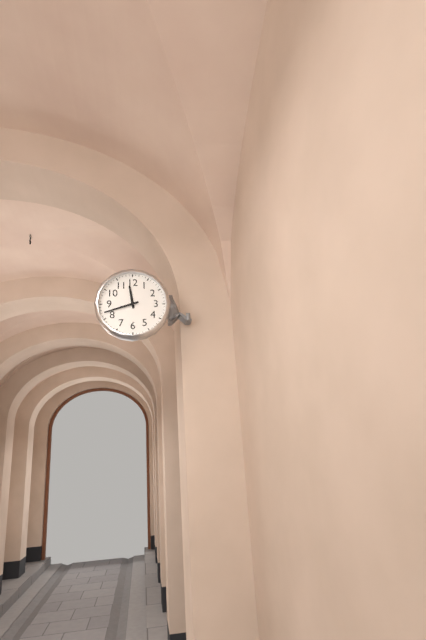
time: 11:42
